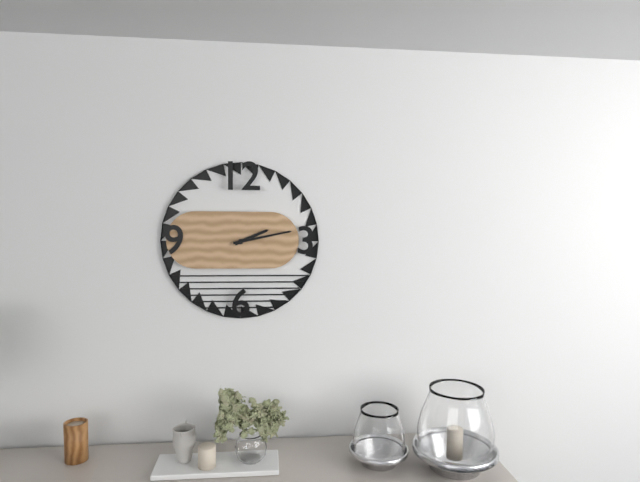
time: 2:13
